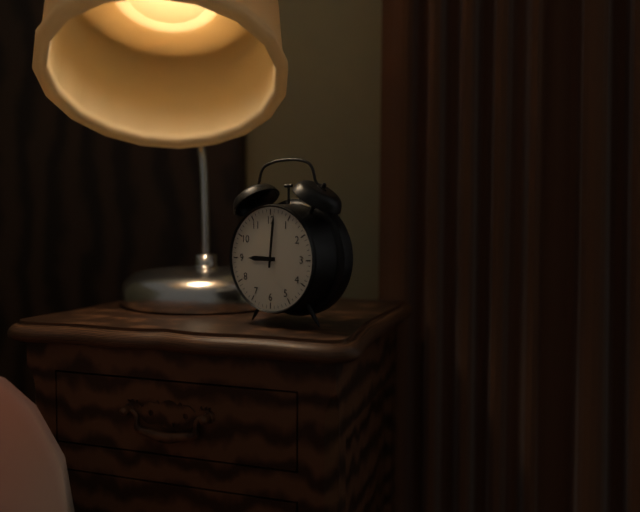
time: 9:01
